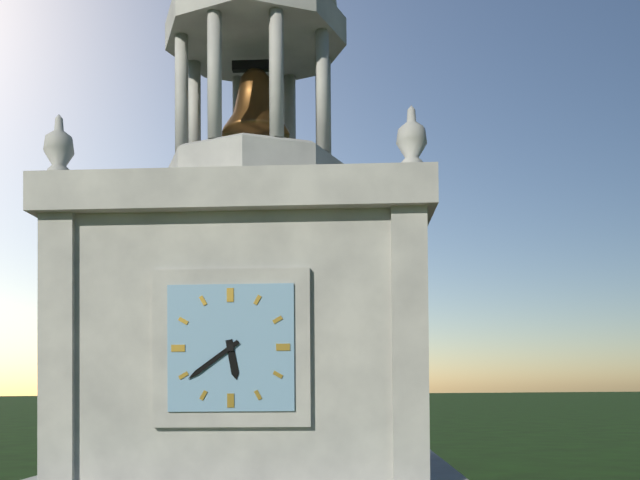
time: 5:39
